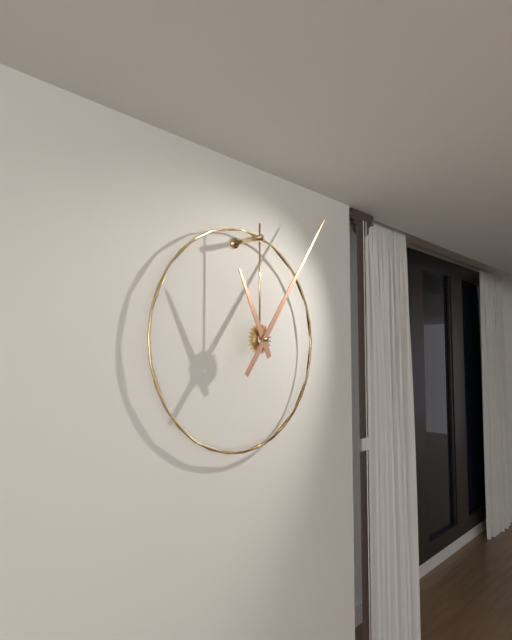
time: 11:06
